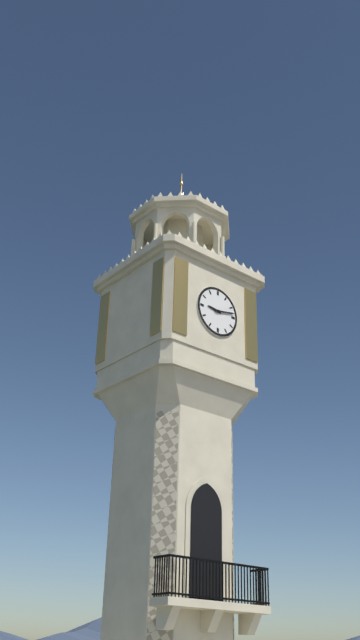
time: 9:13
